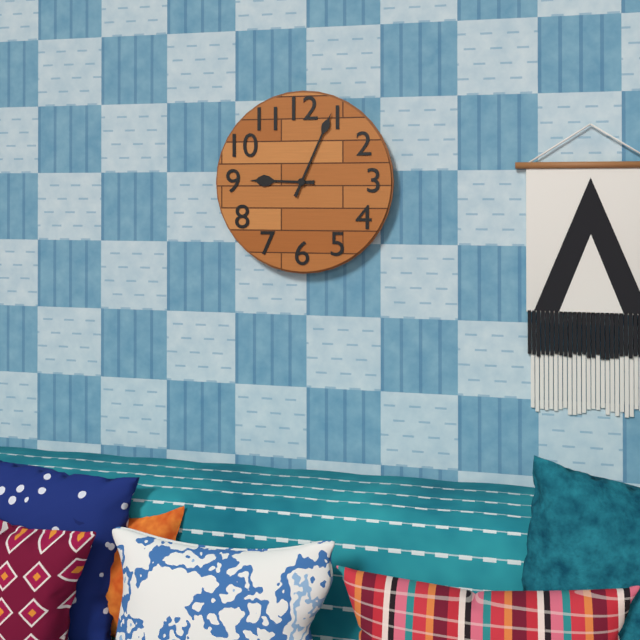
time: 9:04
